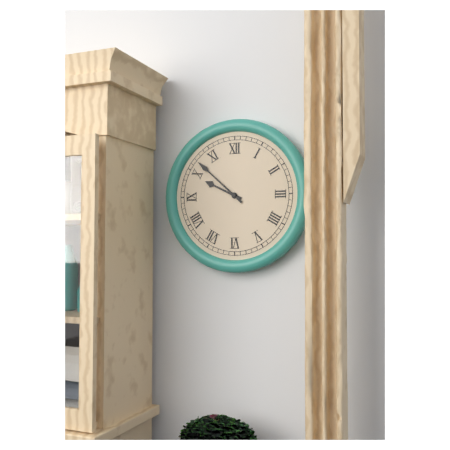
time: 9:52
